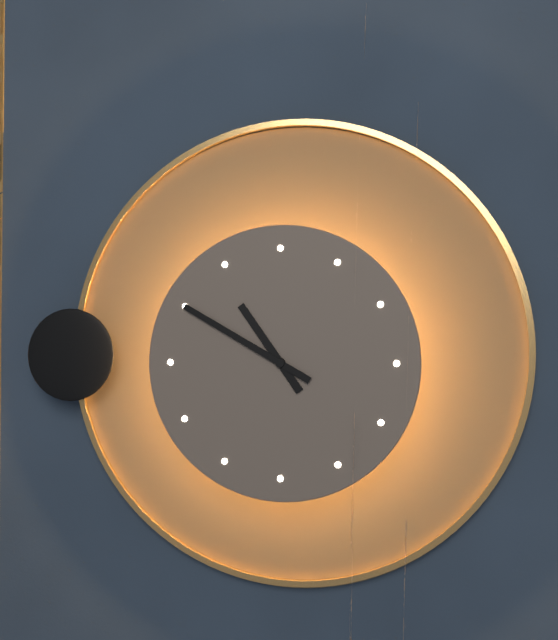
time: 10:50
